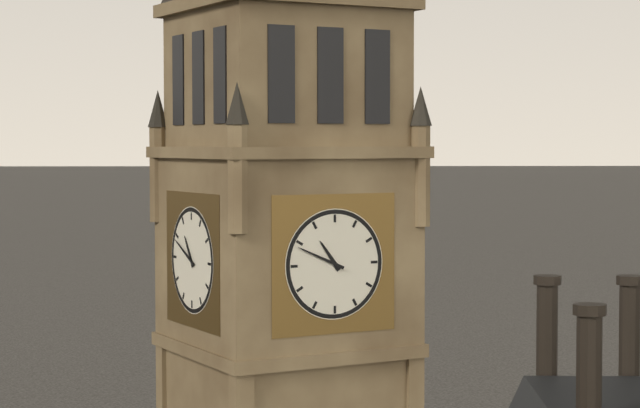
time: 10:49
